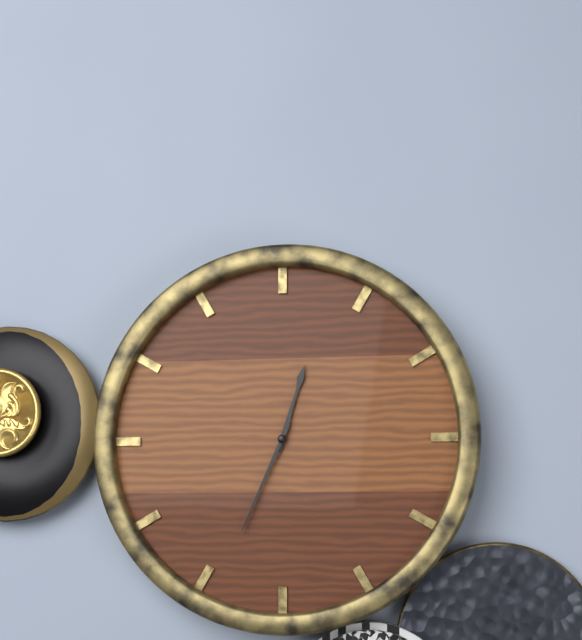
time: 12:34
